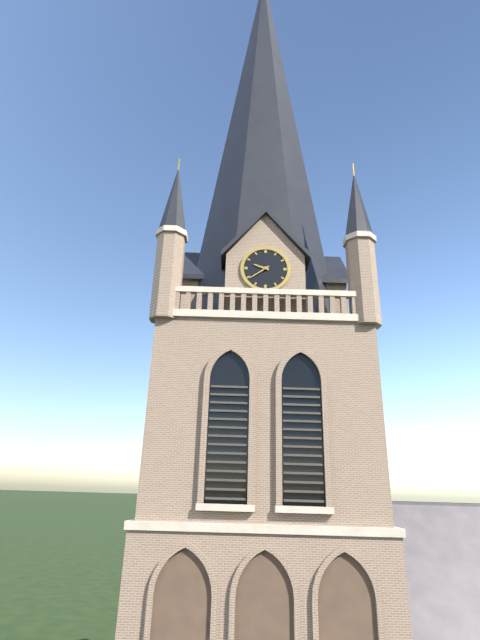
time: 9:39
